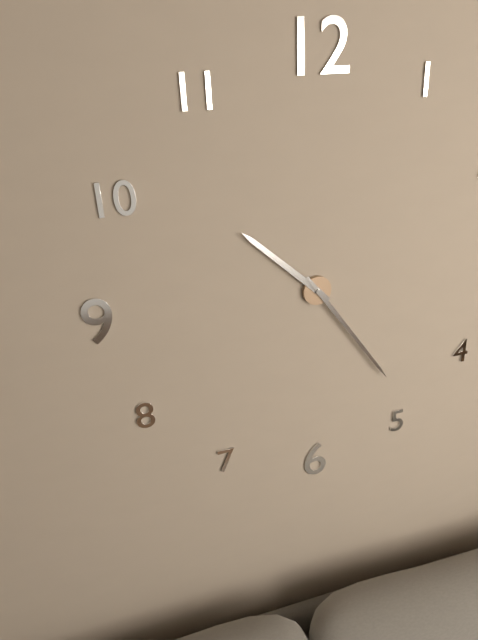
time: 10:24
